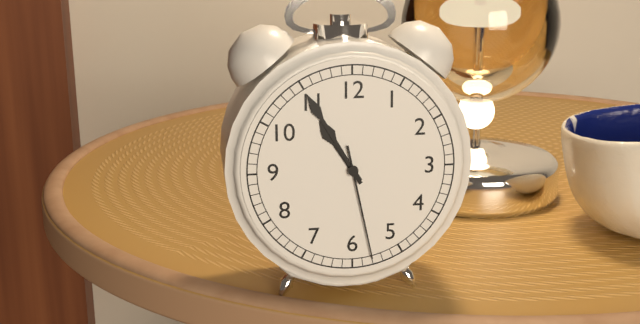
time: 10:55:28
